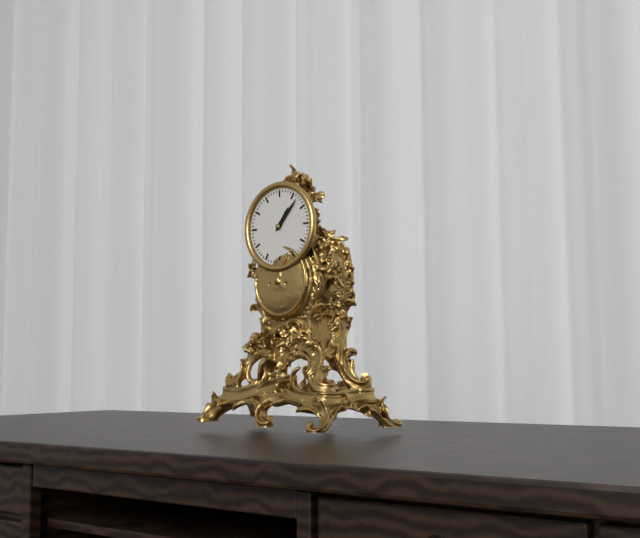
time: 1:07
